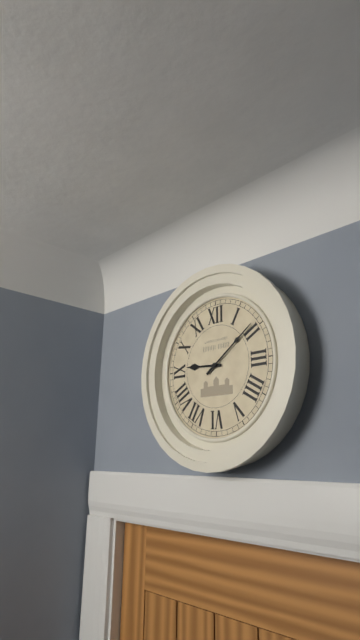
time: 9:09
